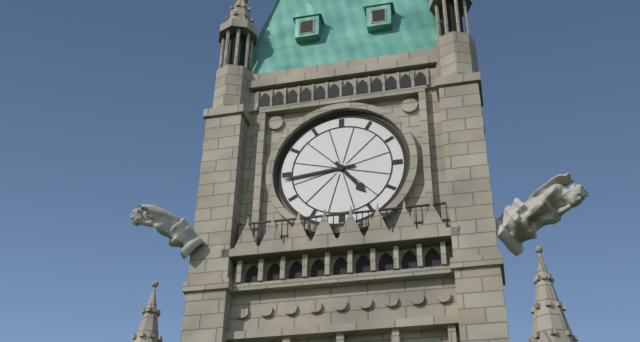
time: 4:44
